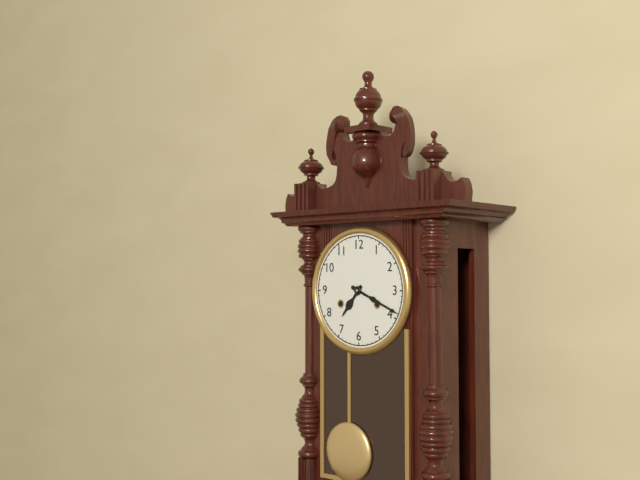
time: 7:19
